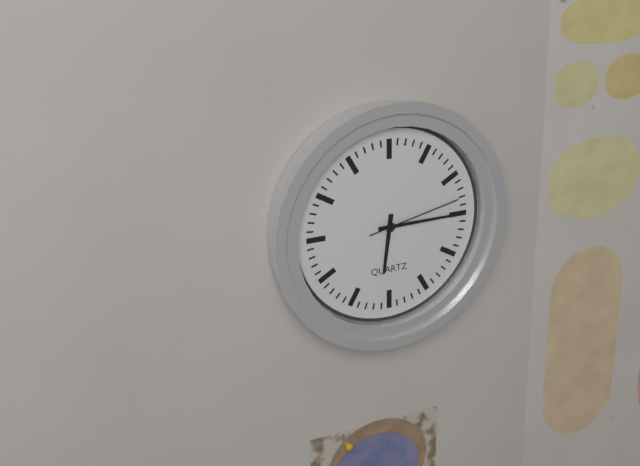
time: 6:15:13
